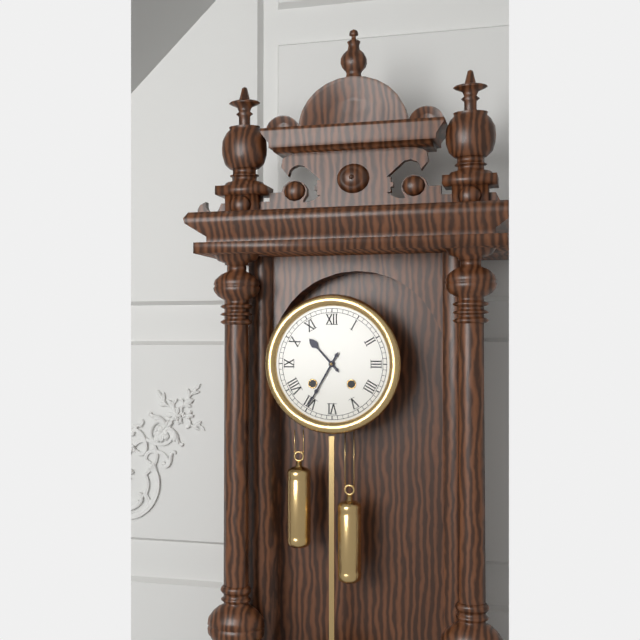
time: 10:35
